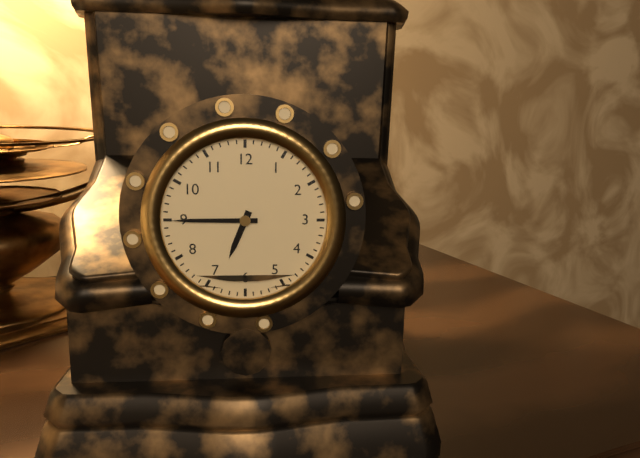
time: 6:45
